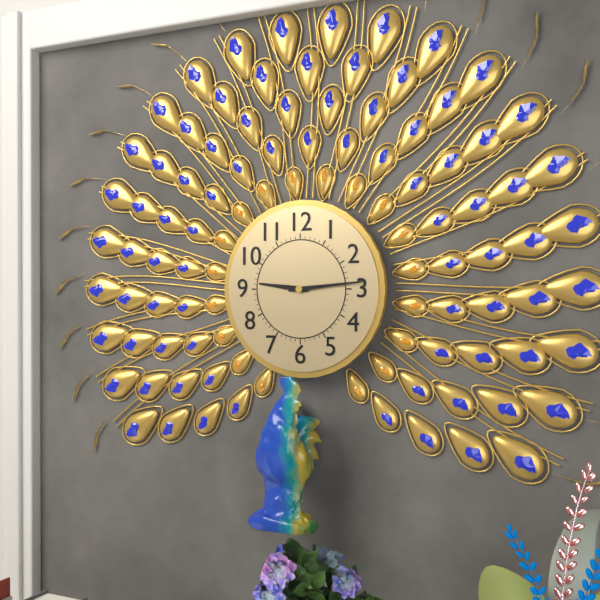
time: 9:14
